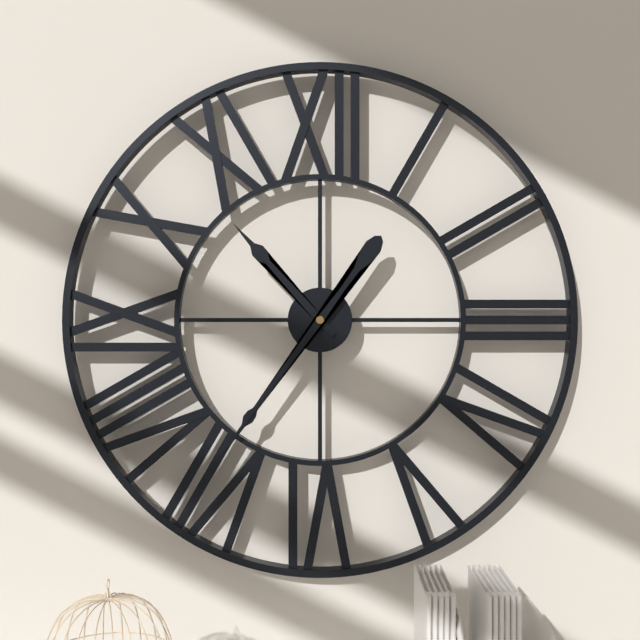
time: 10:36
